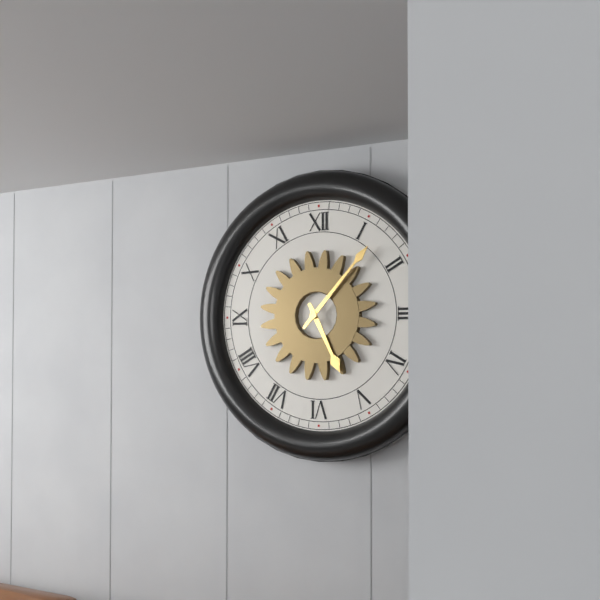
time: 5:07
